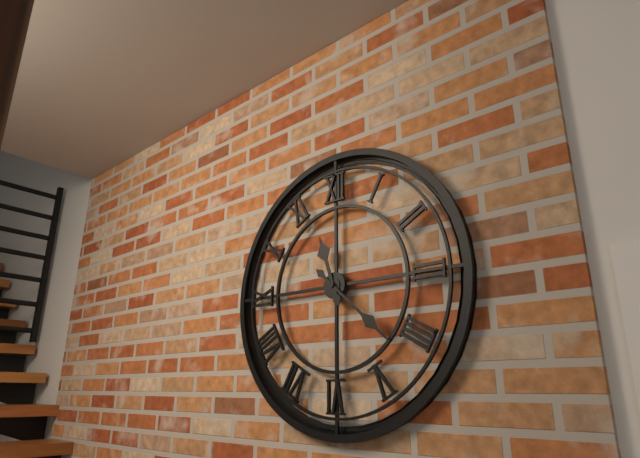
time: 11:22
